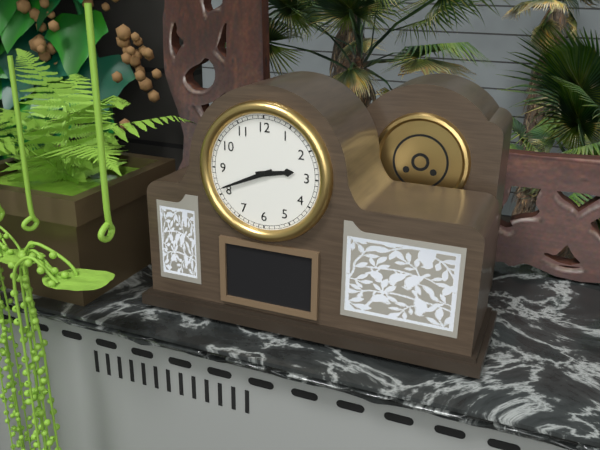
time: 2:41
